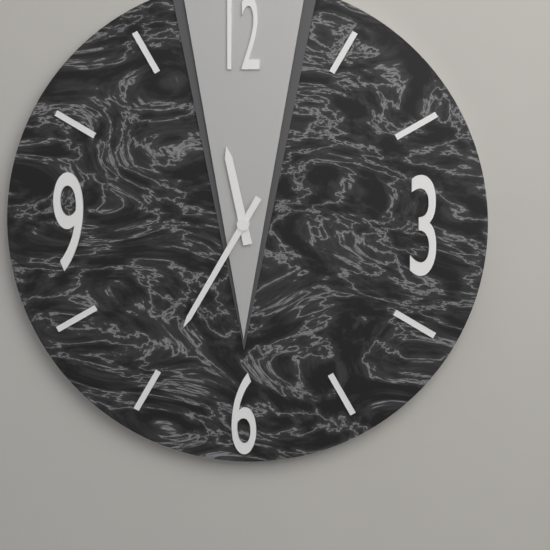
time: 11:35
